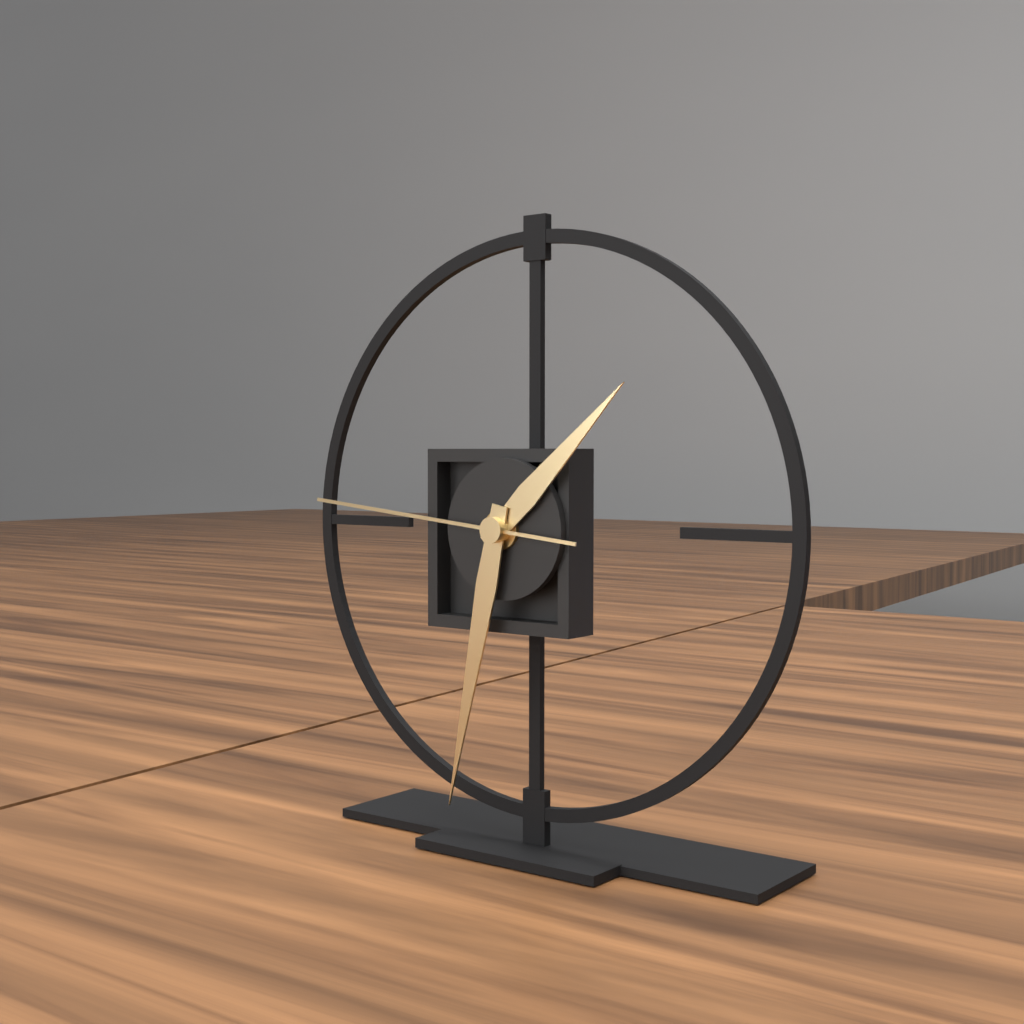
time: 1:32:46
